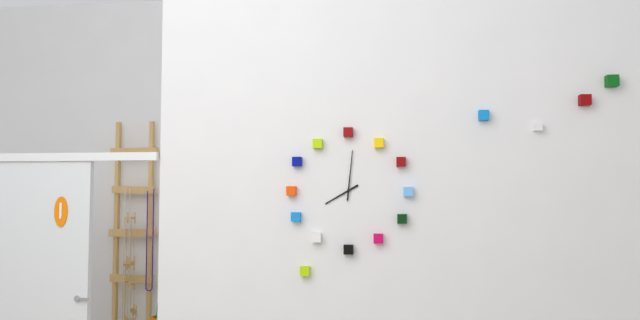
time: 8:01
